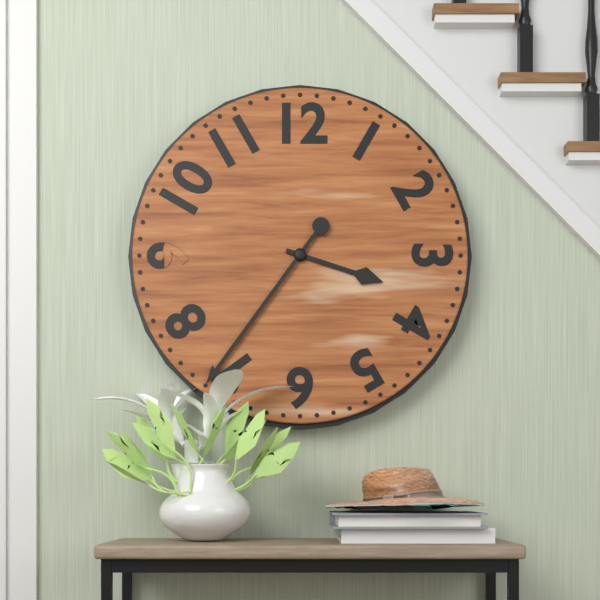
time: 3:36
